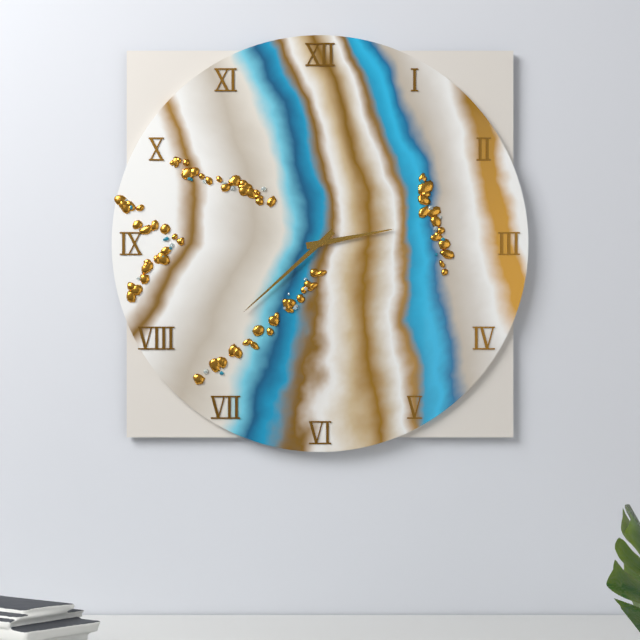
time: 2:38
